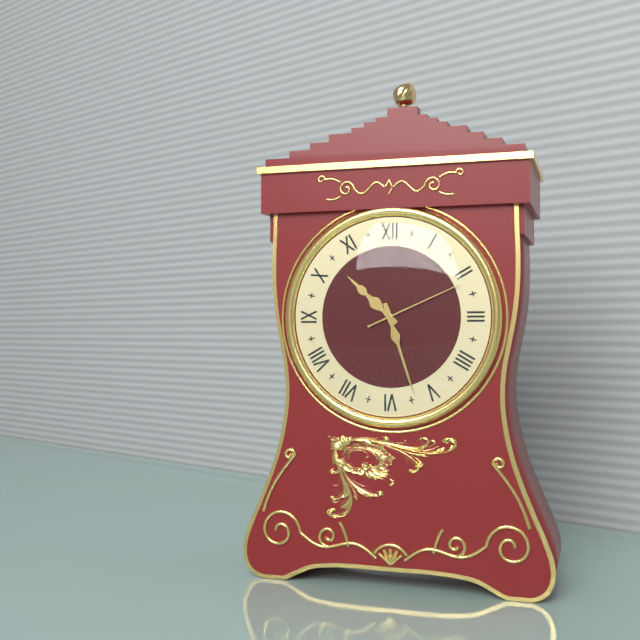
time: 10:27:11
